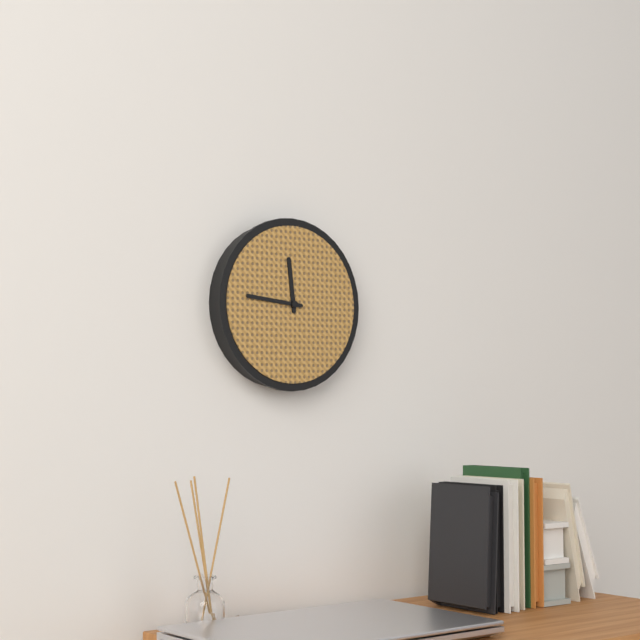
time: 11:46
